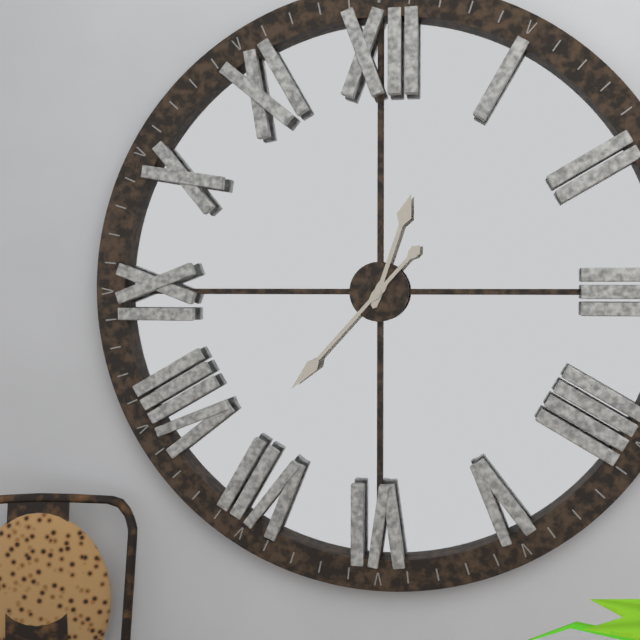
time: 12:37
